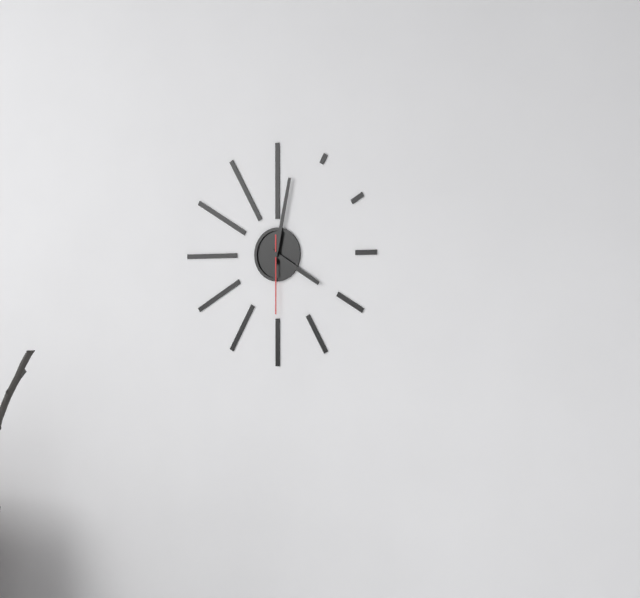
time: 4:02:30
